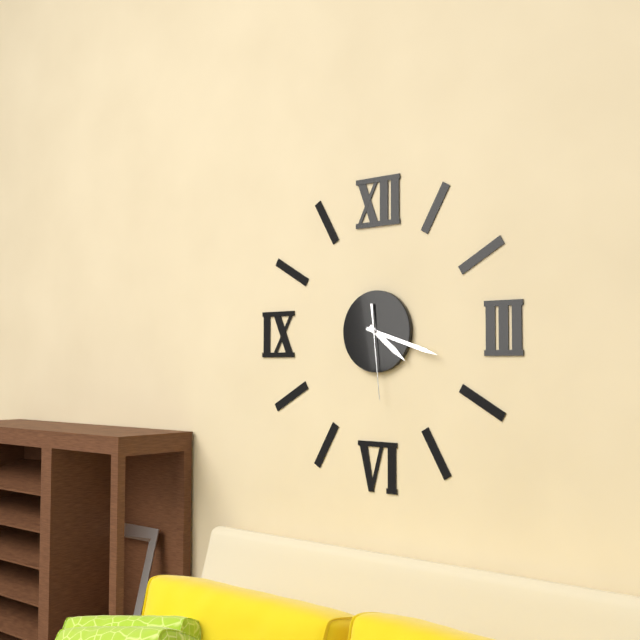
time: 4:18:29
